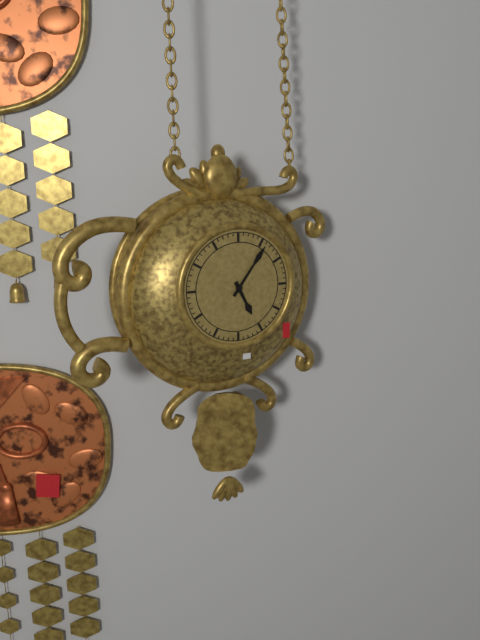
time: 5:06
